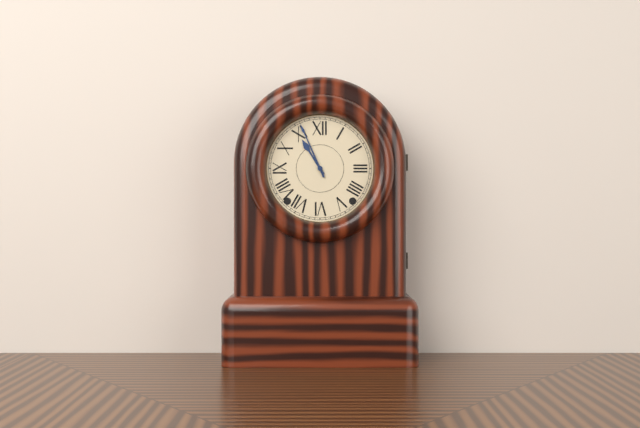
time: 10:56
